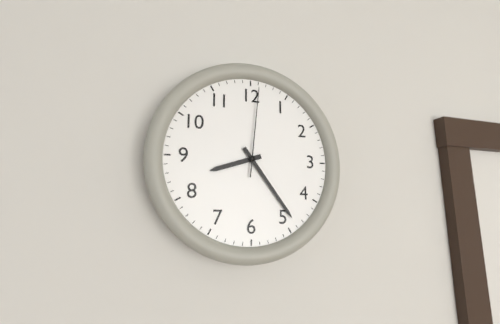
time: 8:24:01
